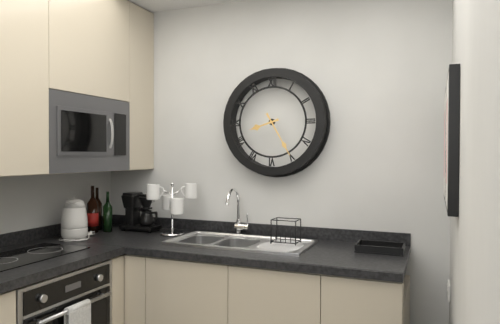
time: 8:25
